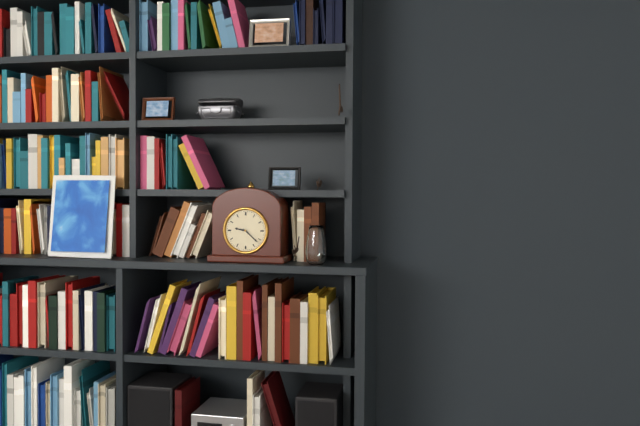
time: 9:22
